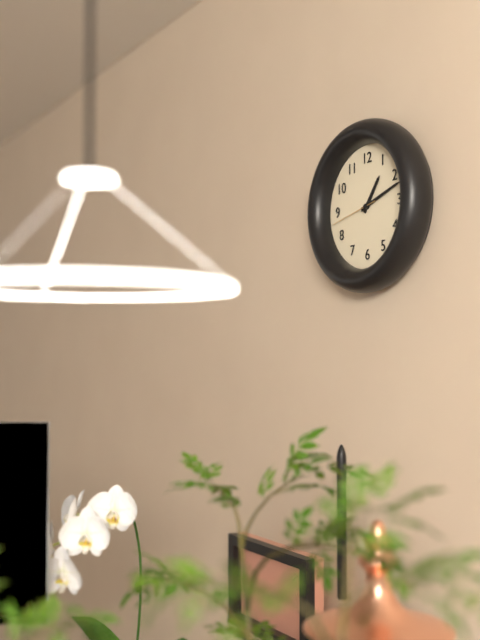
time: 1:12
